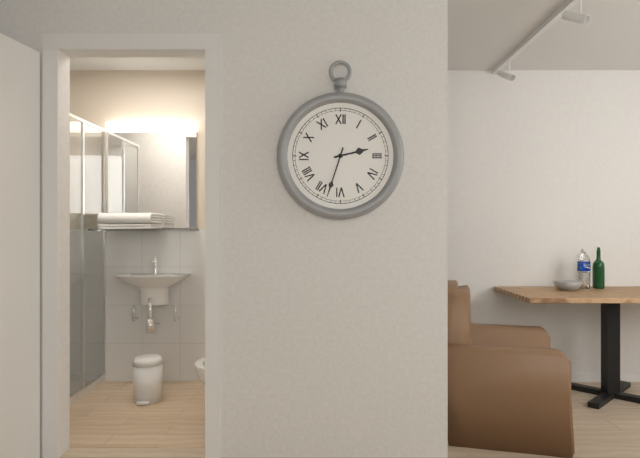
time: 2:33
